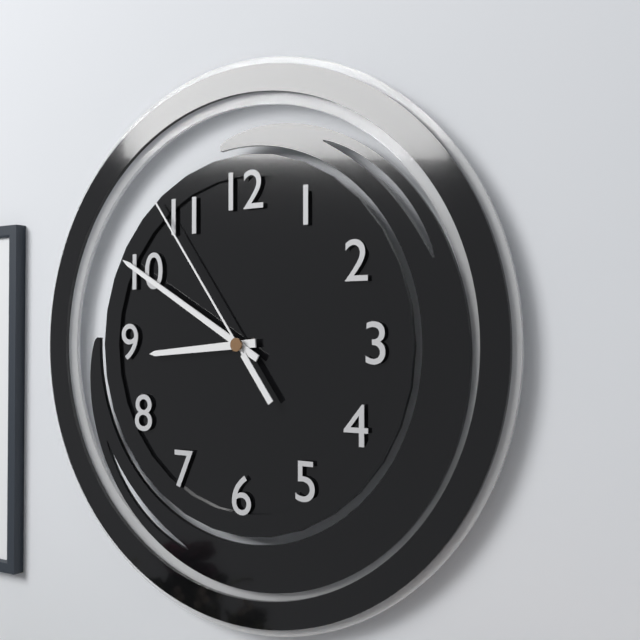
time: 8:50:54
